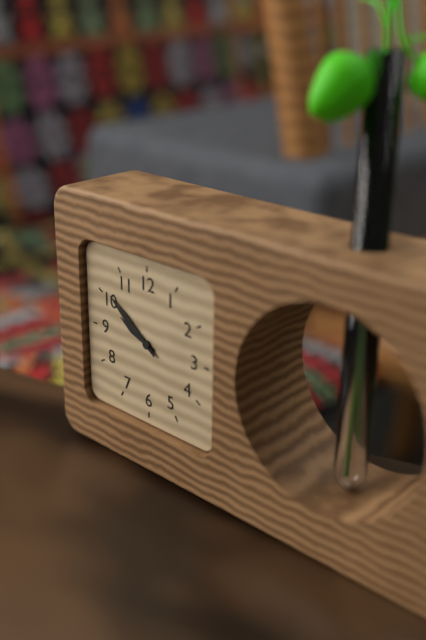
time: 9:51
